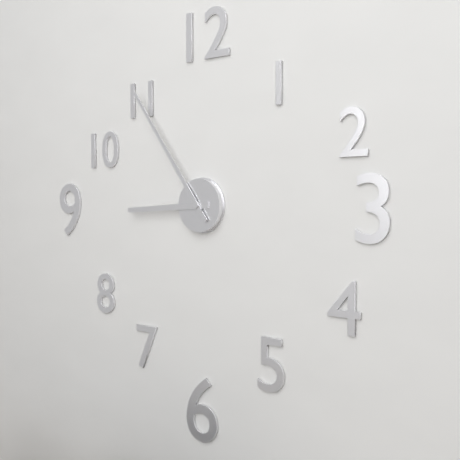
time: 8:54
